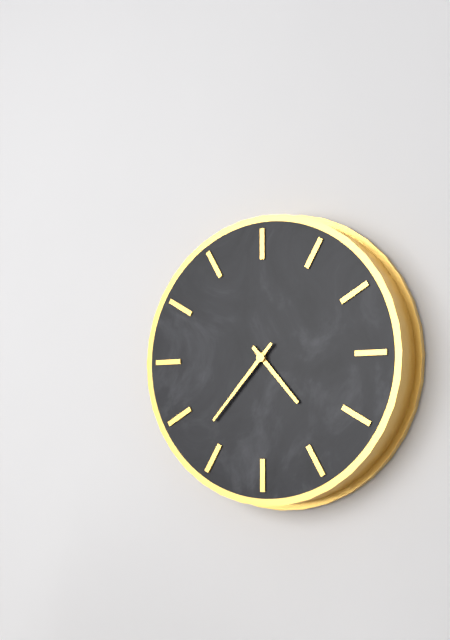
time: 4:37
